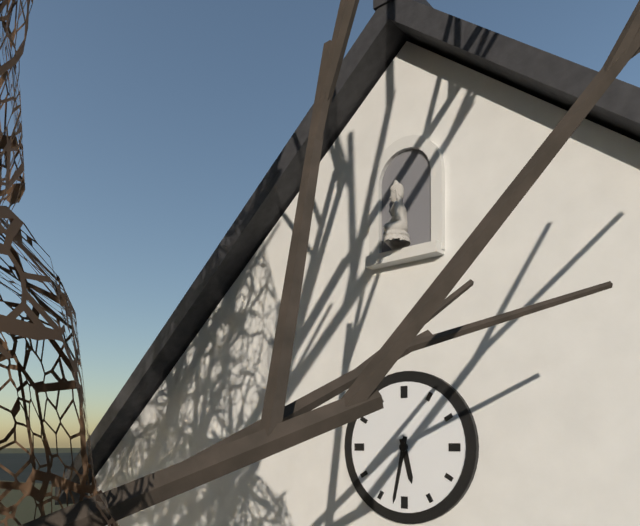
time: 5:32
